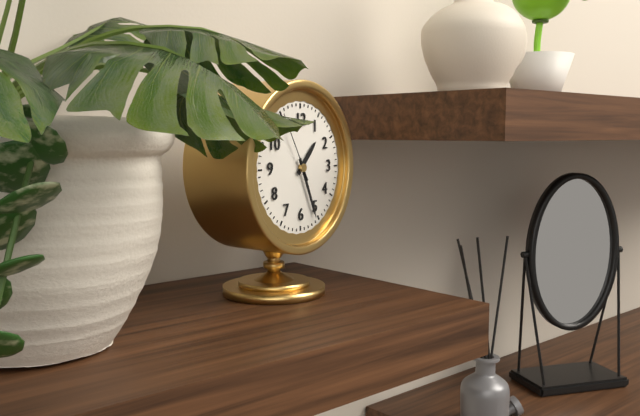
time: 1:26:55
